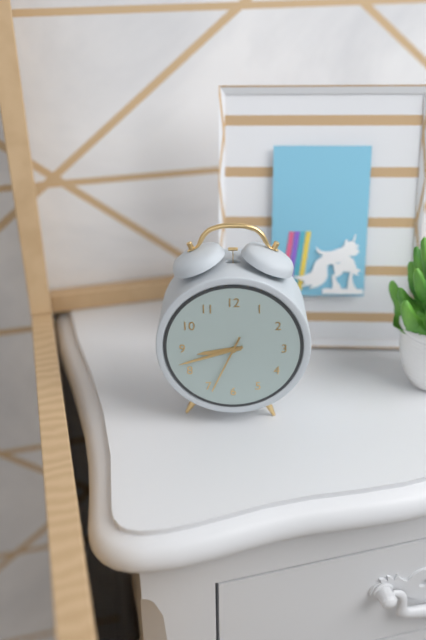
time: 8:42:34
